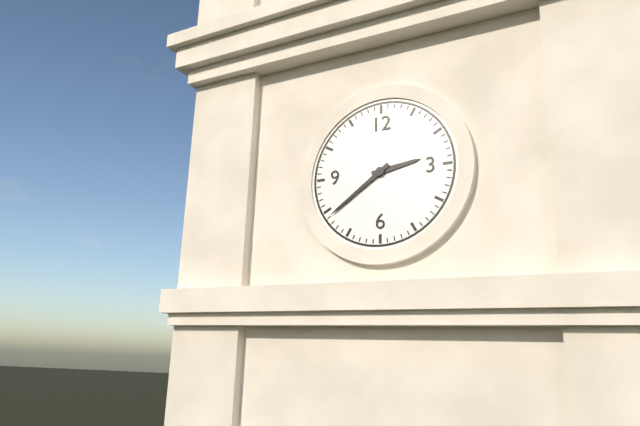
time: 2:39
